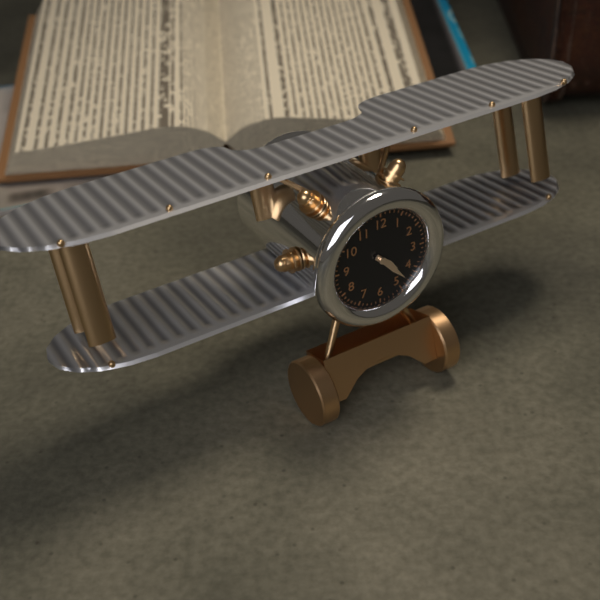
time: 4:23
